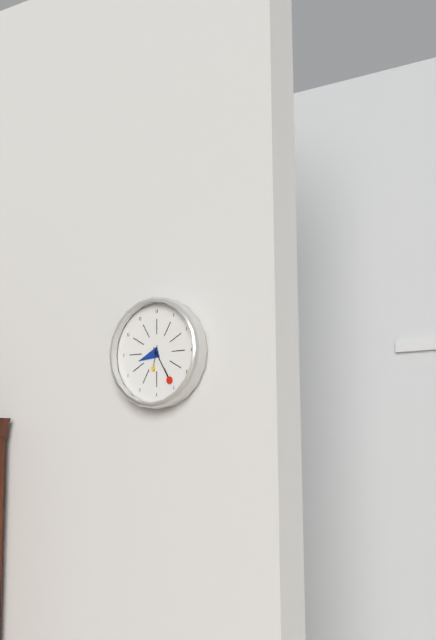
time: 8:25
